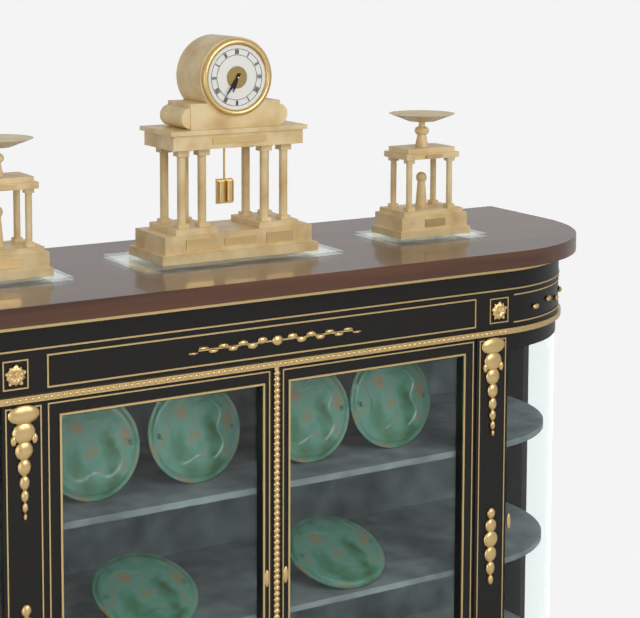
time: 6:36
